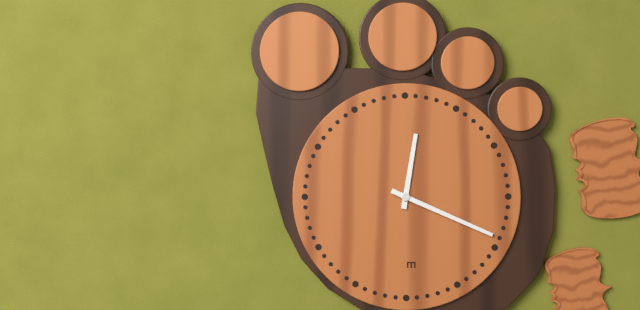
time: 12:19
